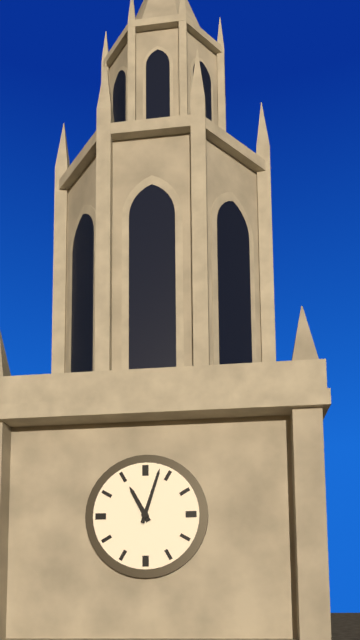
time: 11:03
